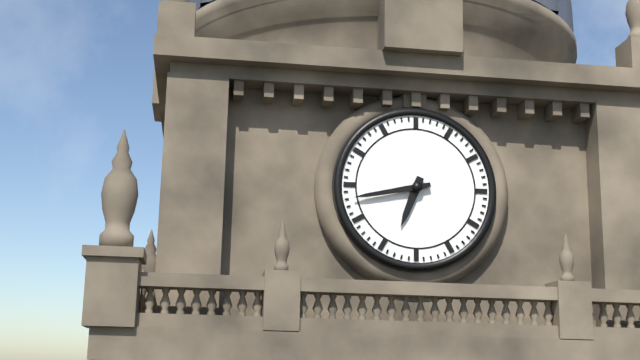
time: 6:43
